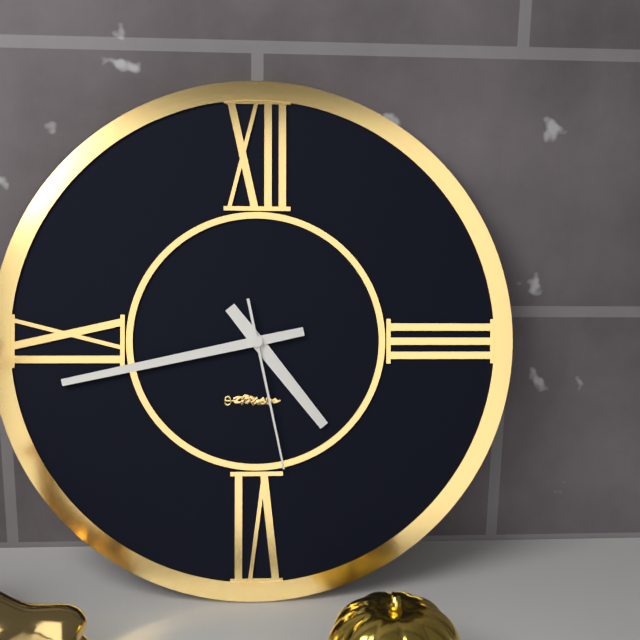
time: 4:43:28
